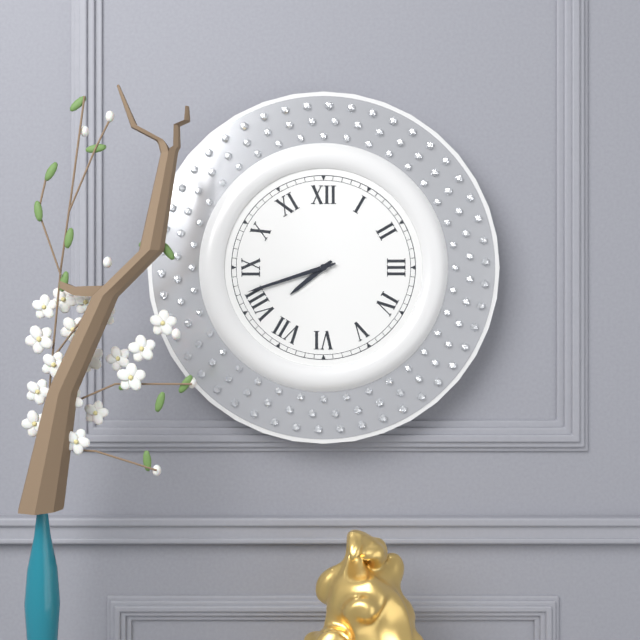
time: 7:42
